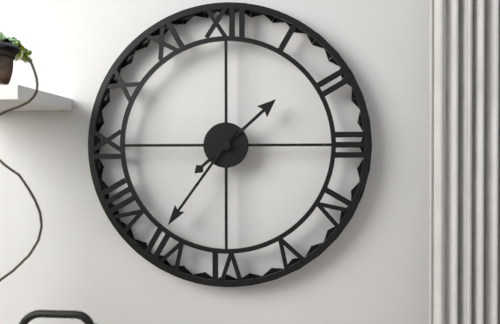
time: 1:36
